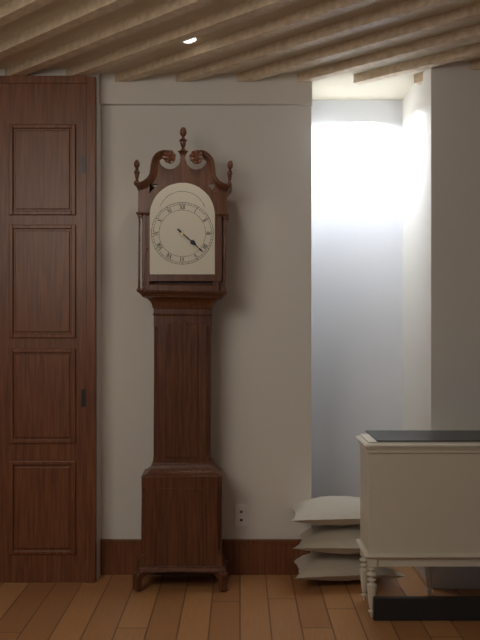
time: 4:22
